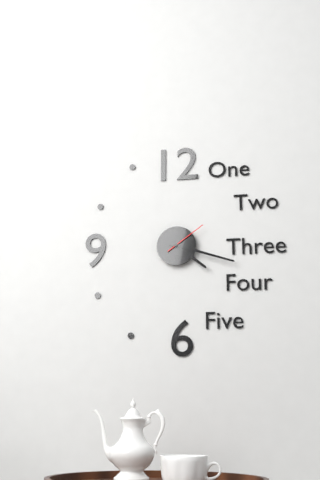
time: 4:18
